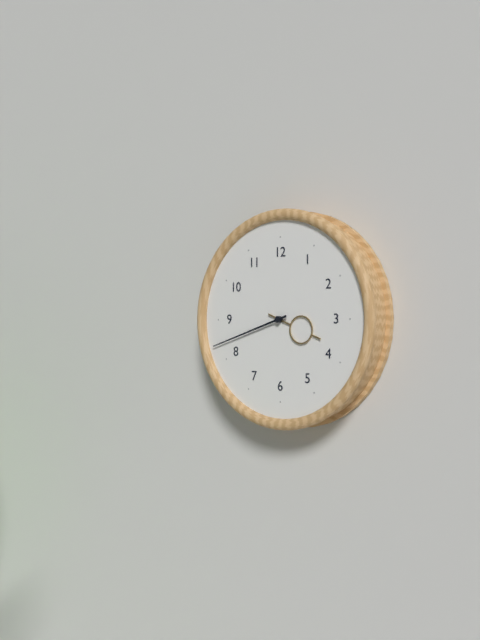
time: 3:42
